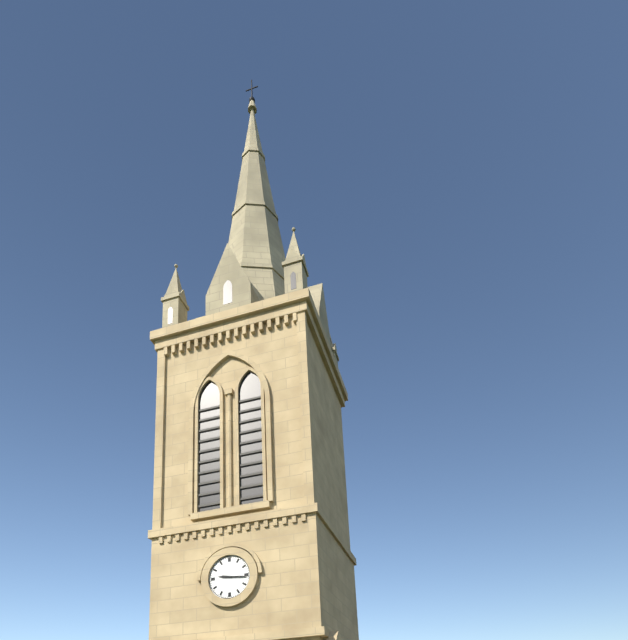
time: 9:16
